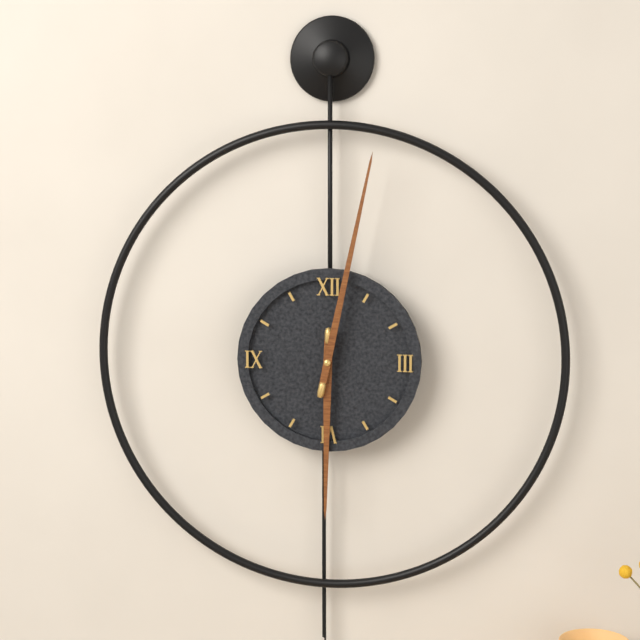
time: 6:02
